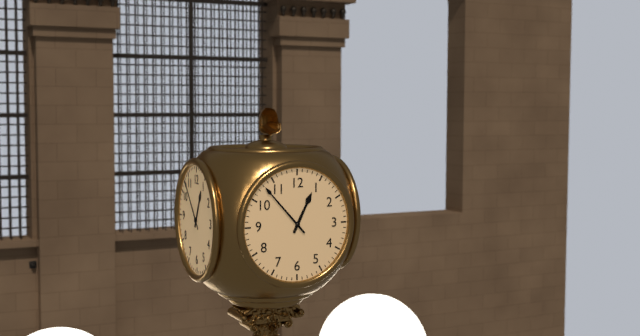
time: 12:53
